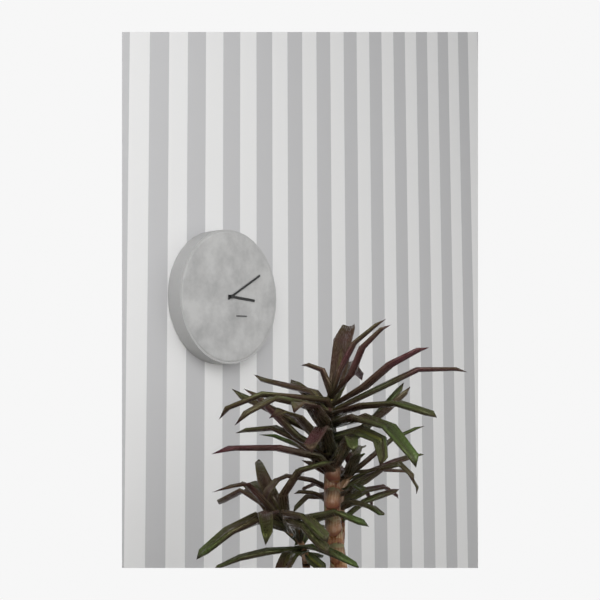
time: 3:10
